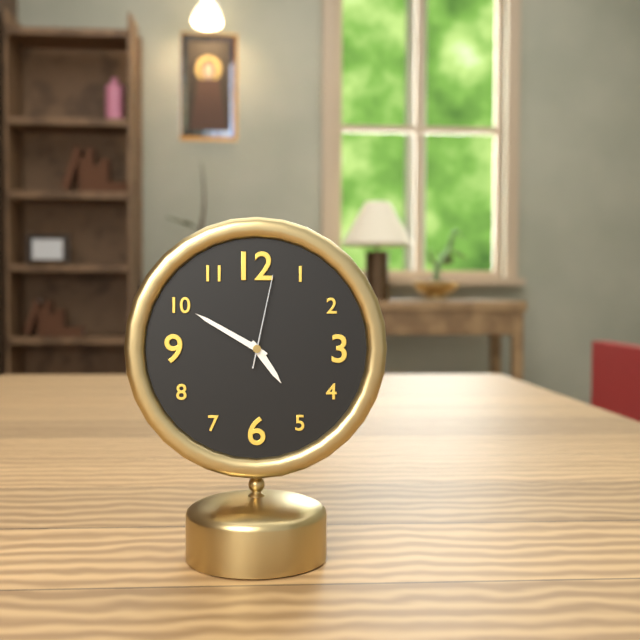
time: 4:50:02
